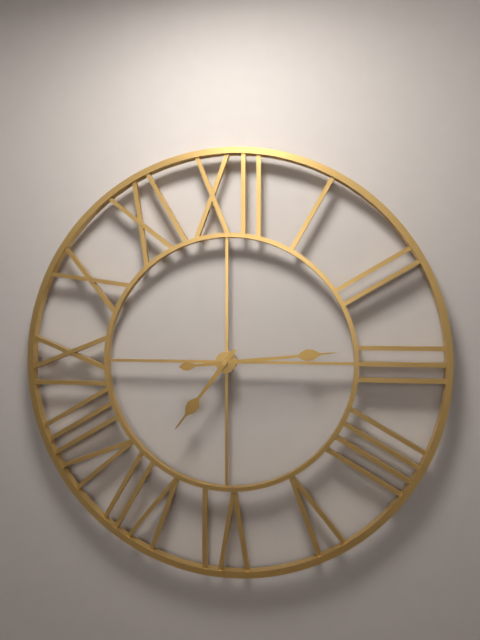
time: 7:14
